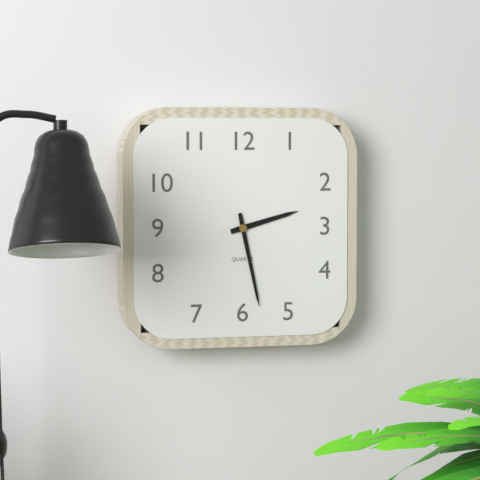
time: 2:28
